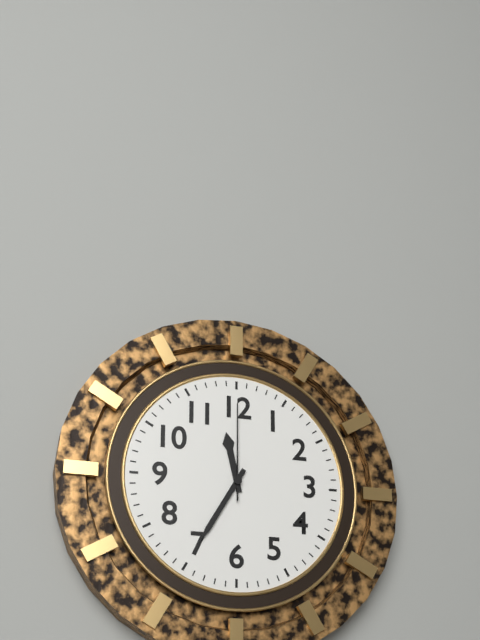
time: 11:35:00
